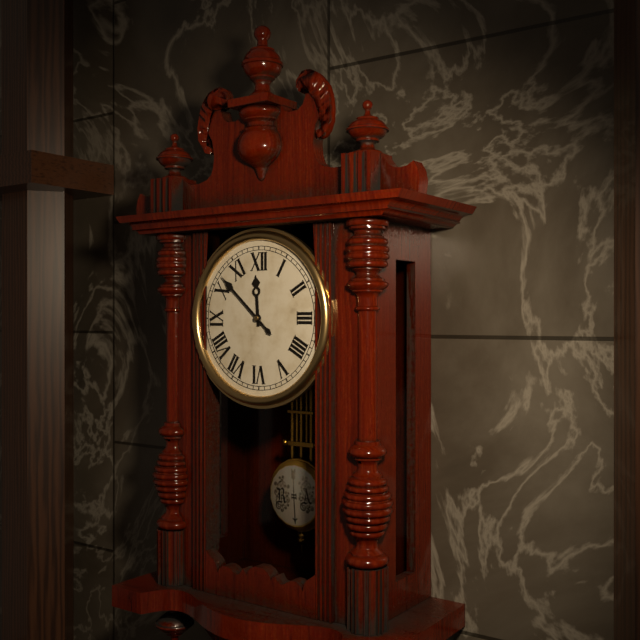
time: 11:52
